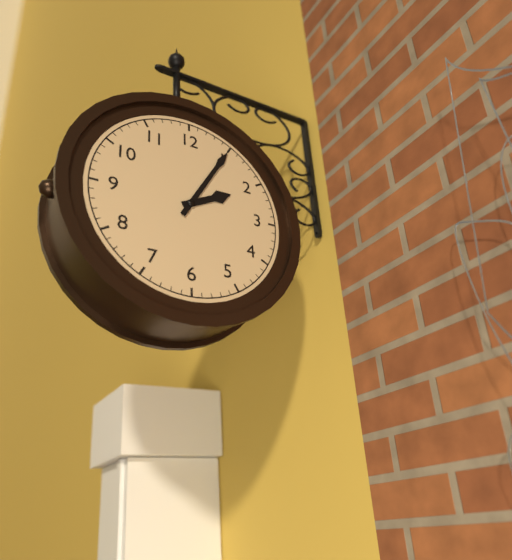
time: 2:05
